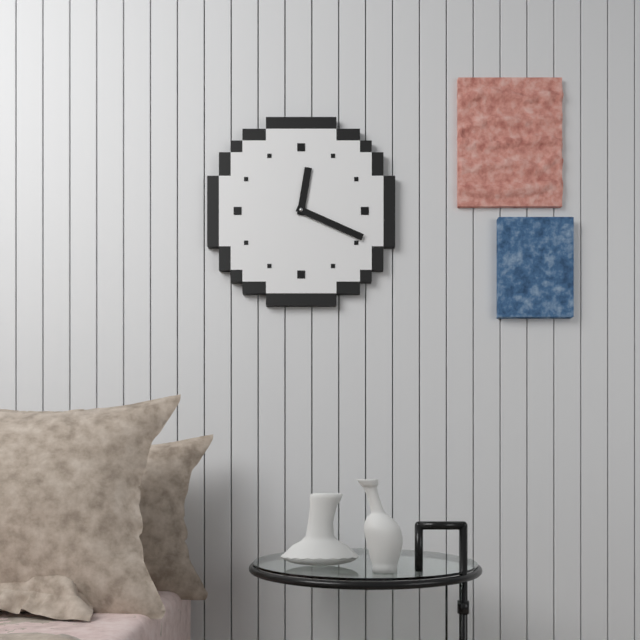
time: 12:19
